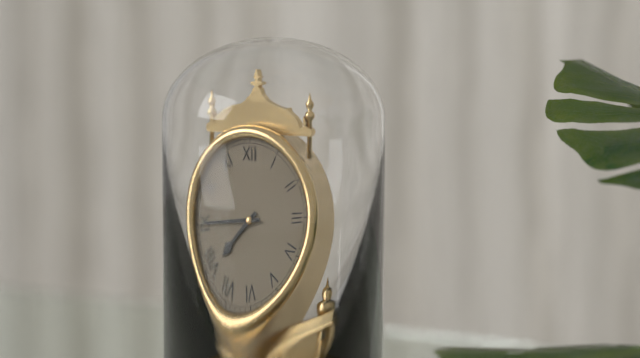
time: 7:45
